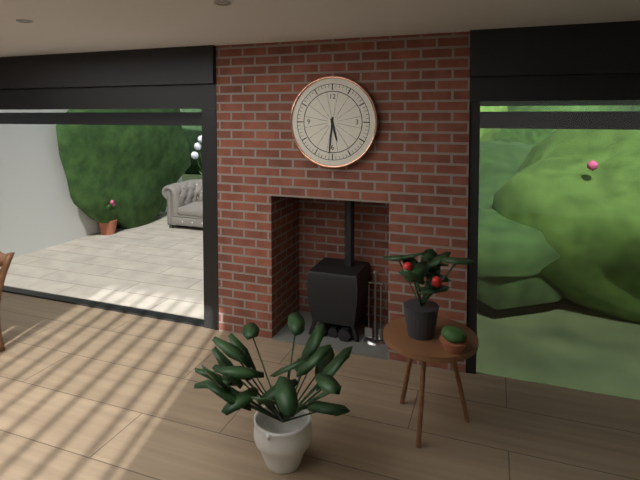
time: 5:31
